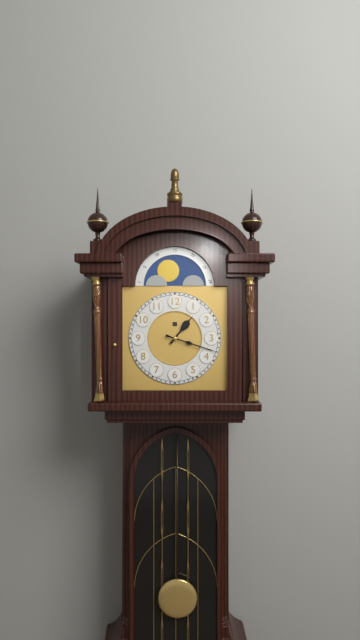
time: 1:18
